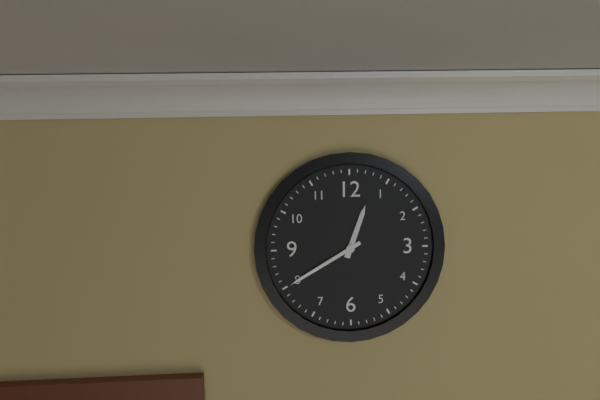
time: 12:40
